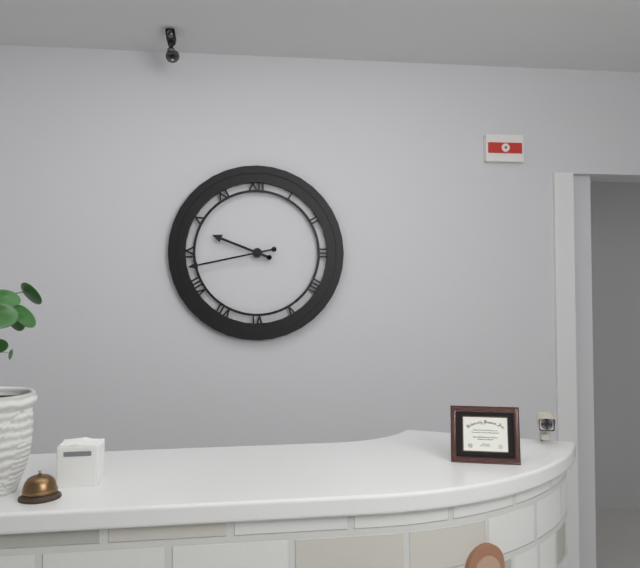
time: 9:43
